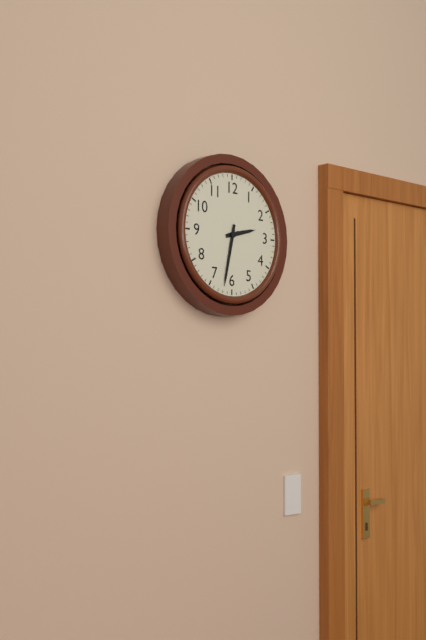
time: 2:32
